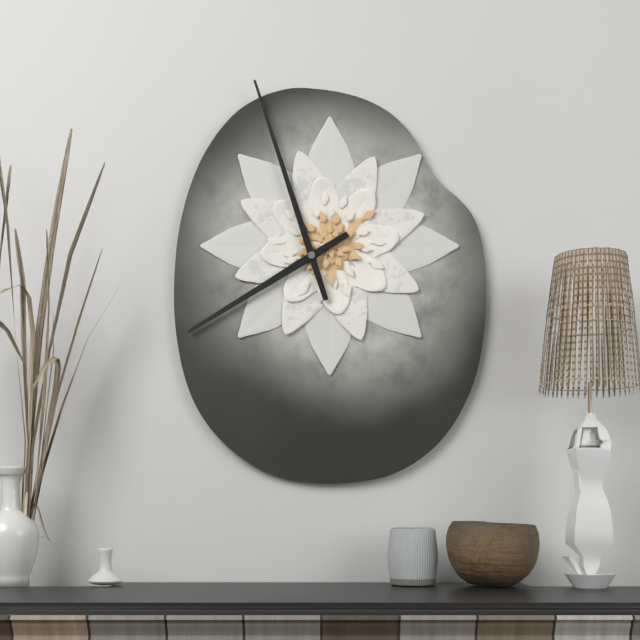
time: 7:57
